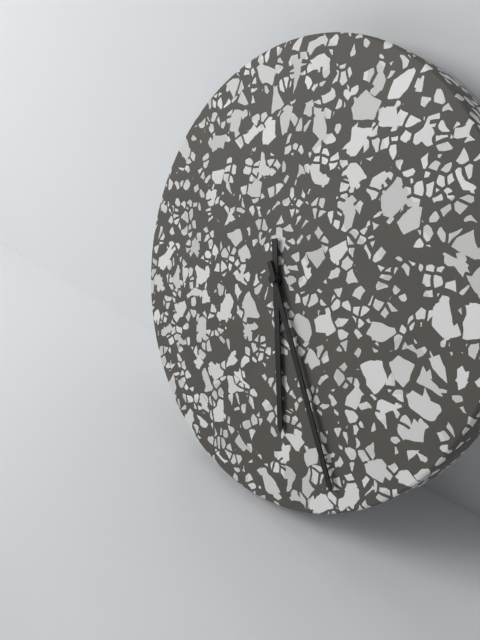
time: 5:24
